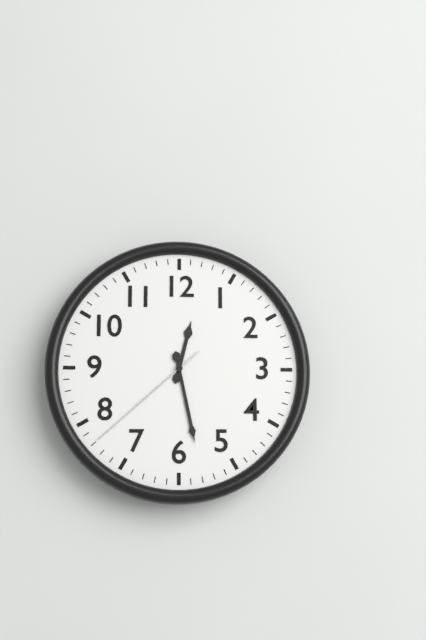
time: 12:28:38
